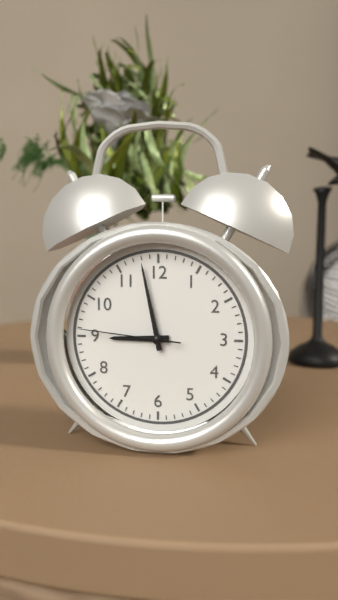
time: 8:58:46
